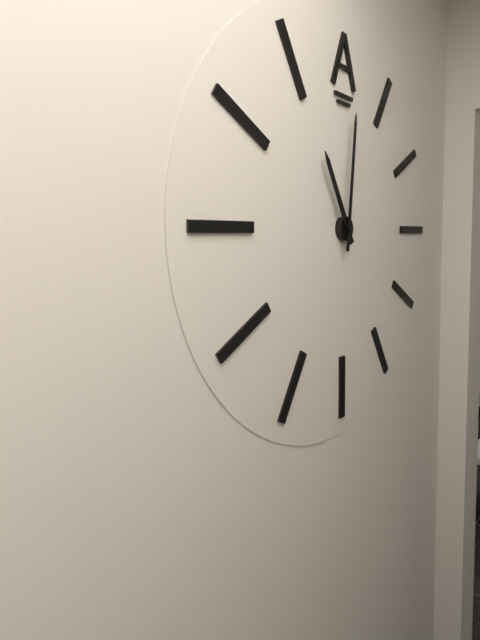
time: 11:01
